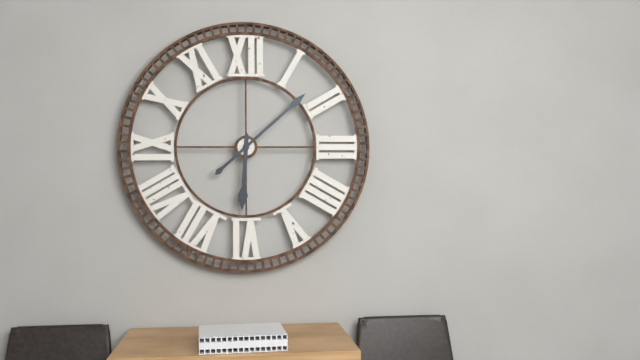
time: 6:08
